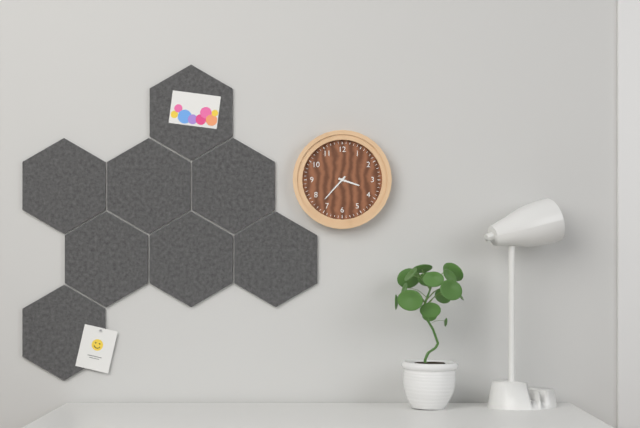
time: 3:37
